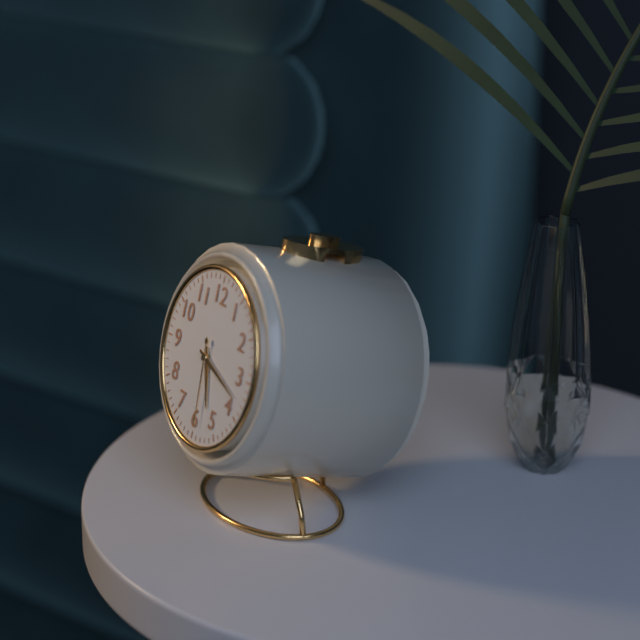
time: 5:18:29
